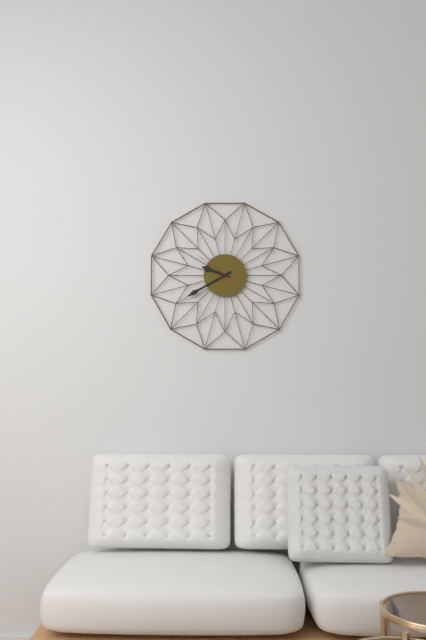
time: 9:40
